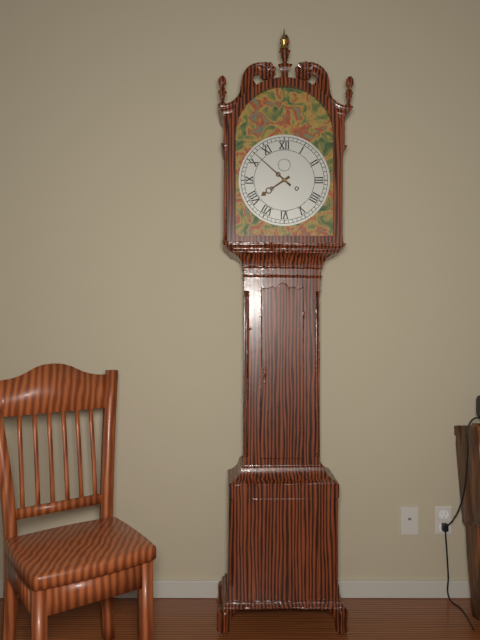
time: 7:52
